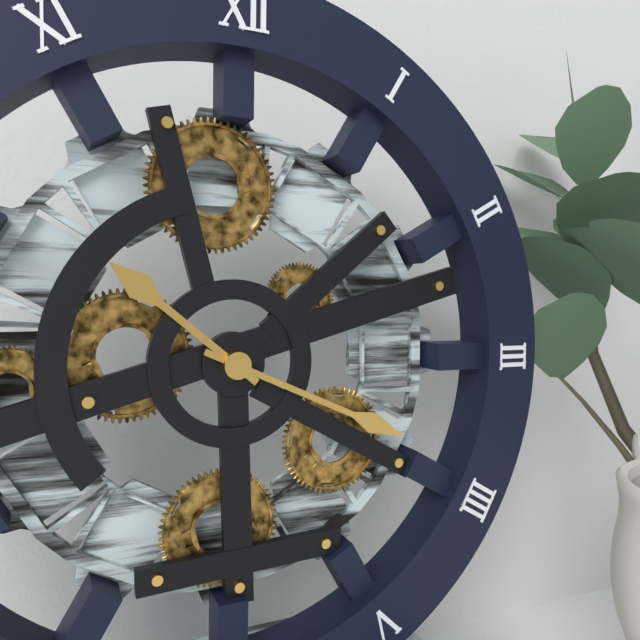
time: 10:19
